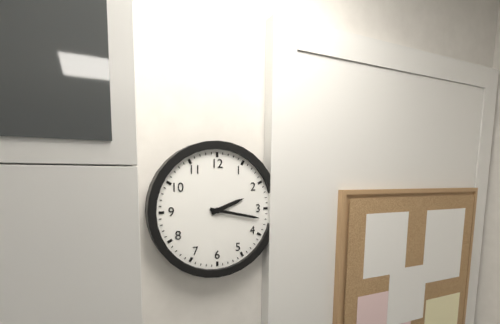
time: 2:17
